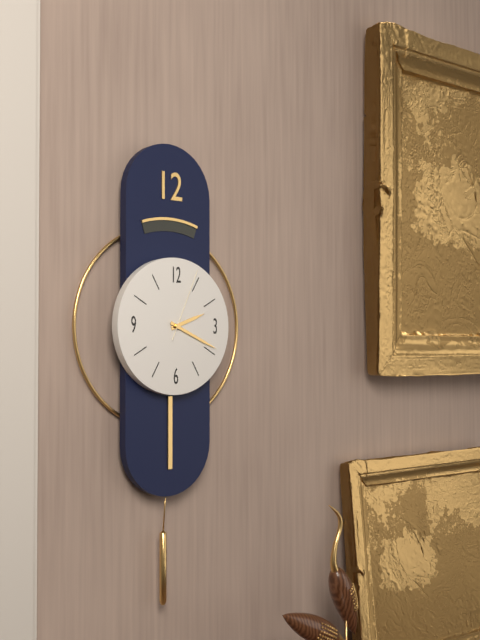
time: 2:19:04
